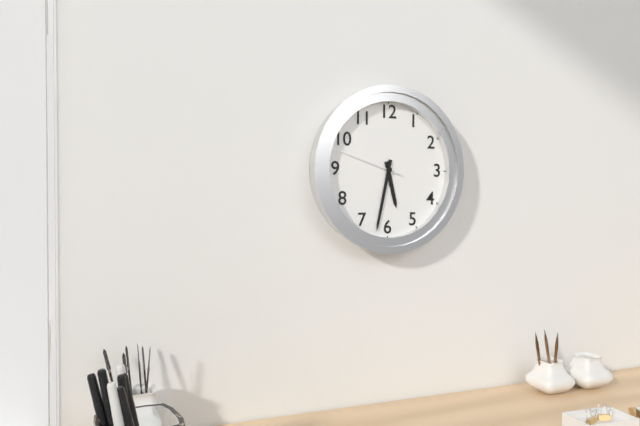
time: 5:32:48
